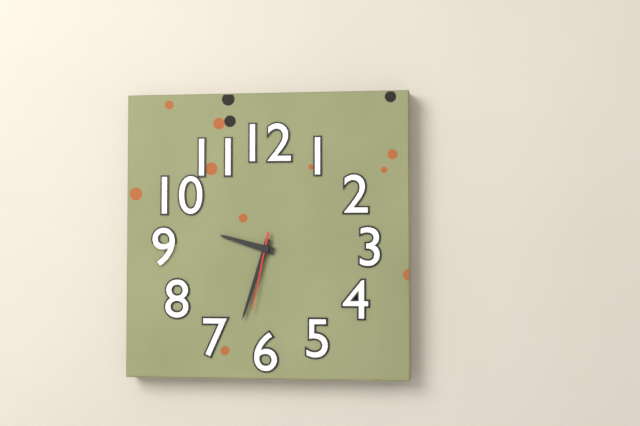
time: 9:33:32
